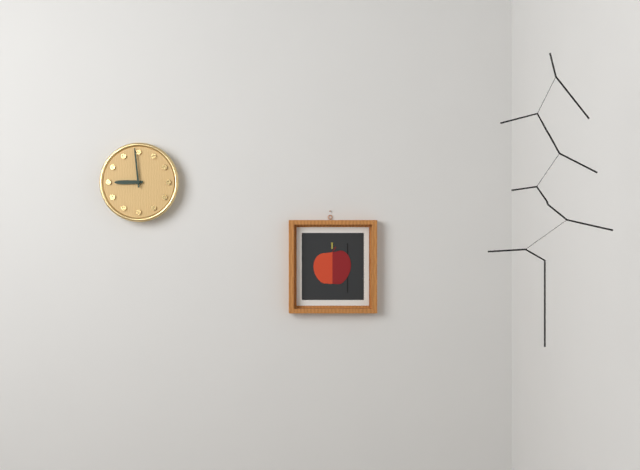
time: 8:59
